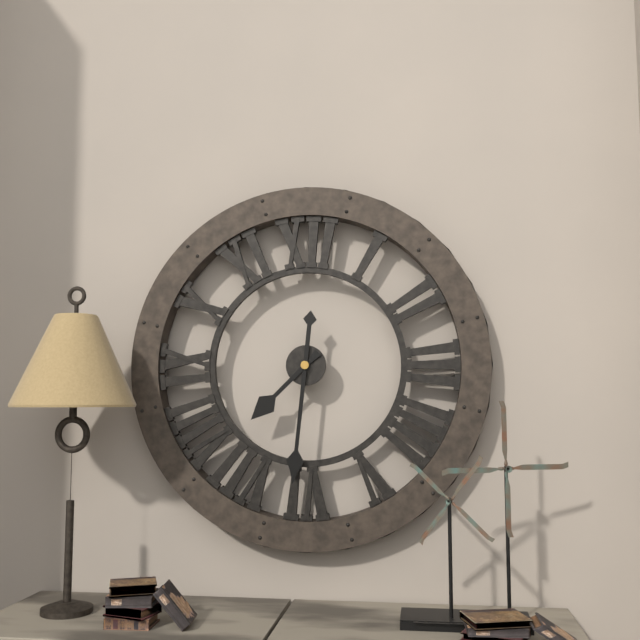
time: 7:31
